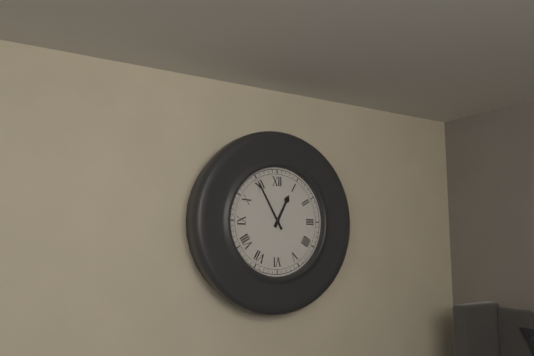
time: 12:55
